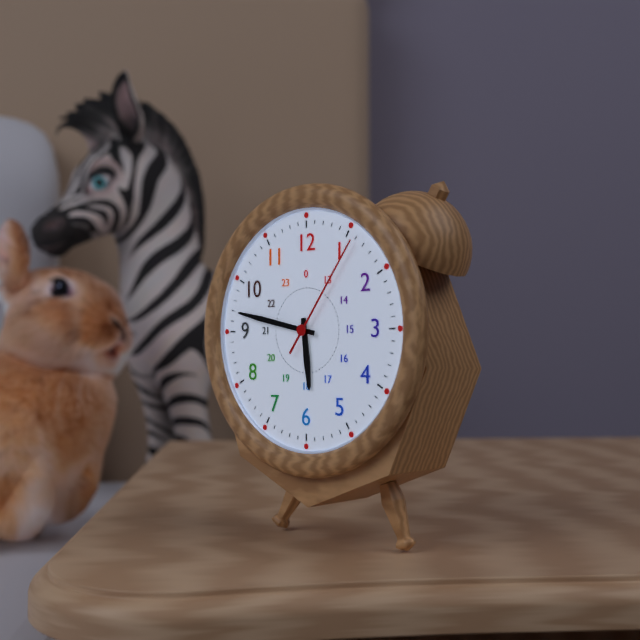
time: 5:47:06
